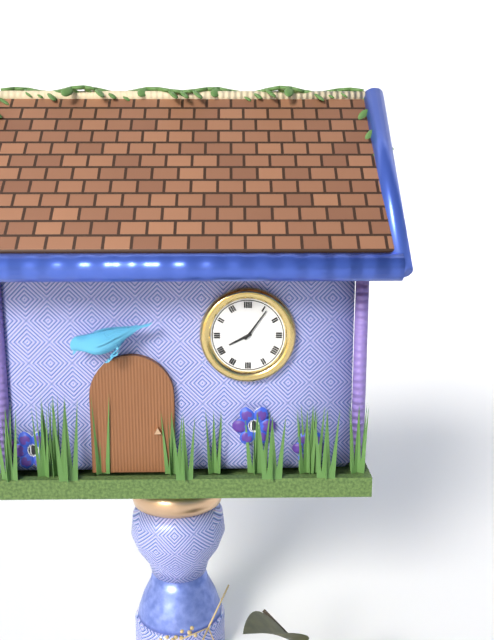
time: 8:06
